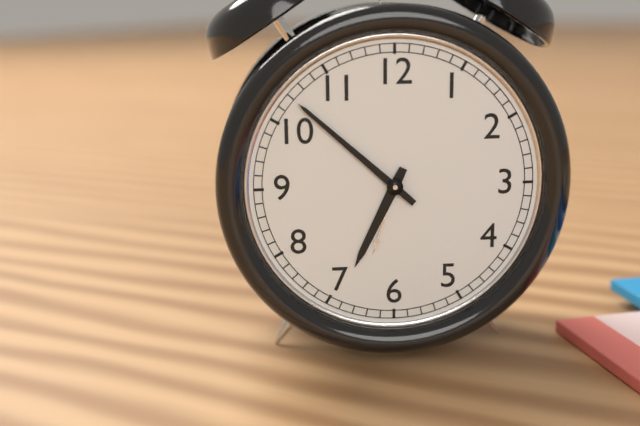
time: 6:52
